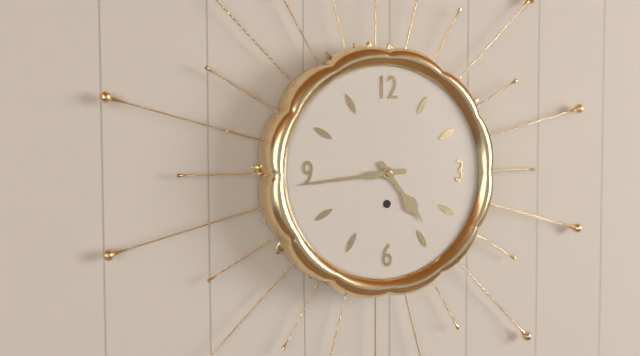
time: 4:44
